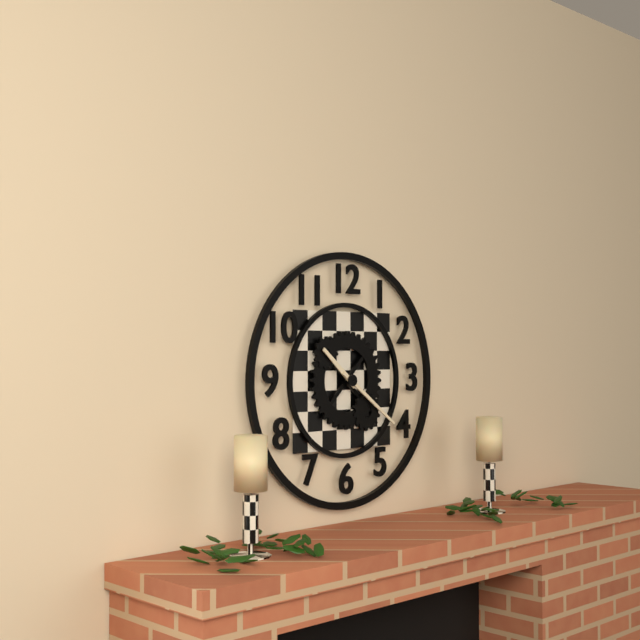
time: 10:21
